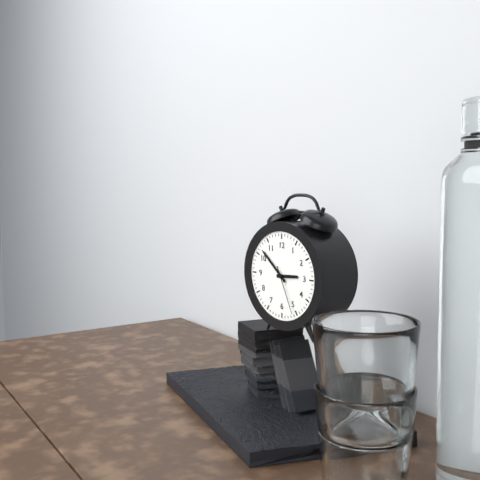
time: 2:52
